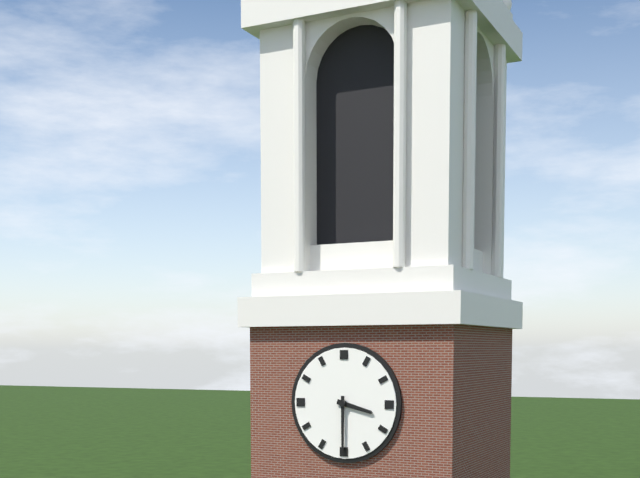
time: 3:30
